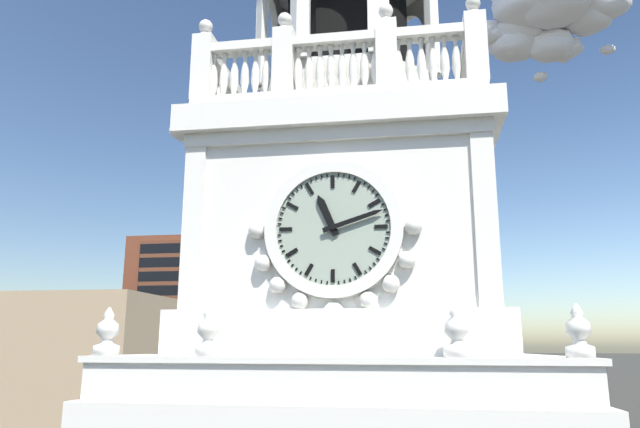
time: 11:12
